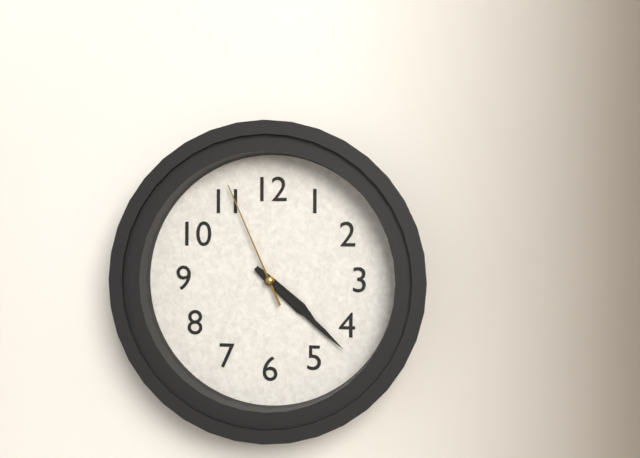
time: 4:22:56
